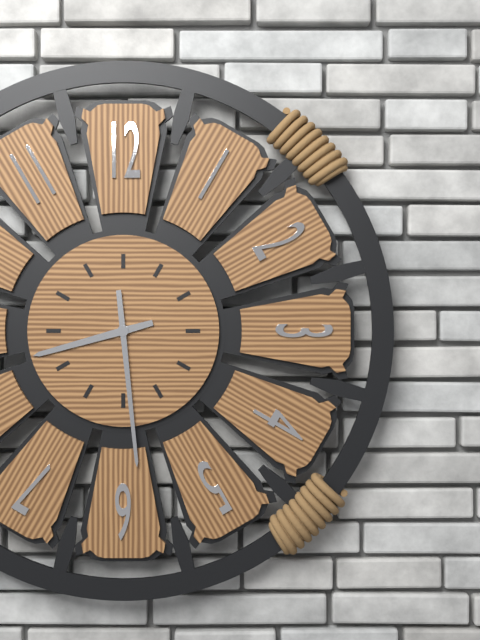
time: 8:29
